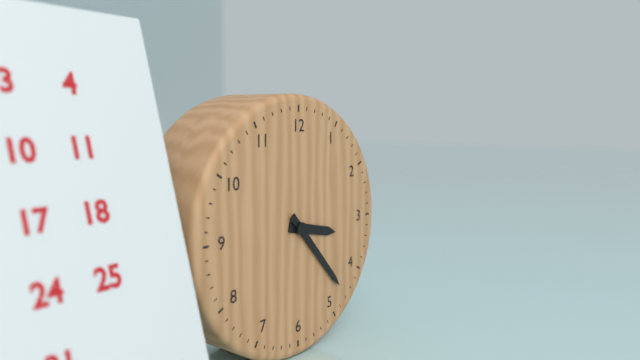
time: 3:23
